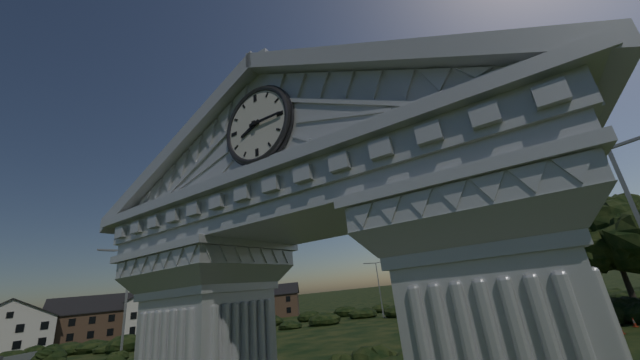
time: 8:15
